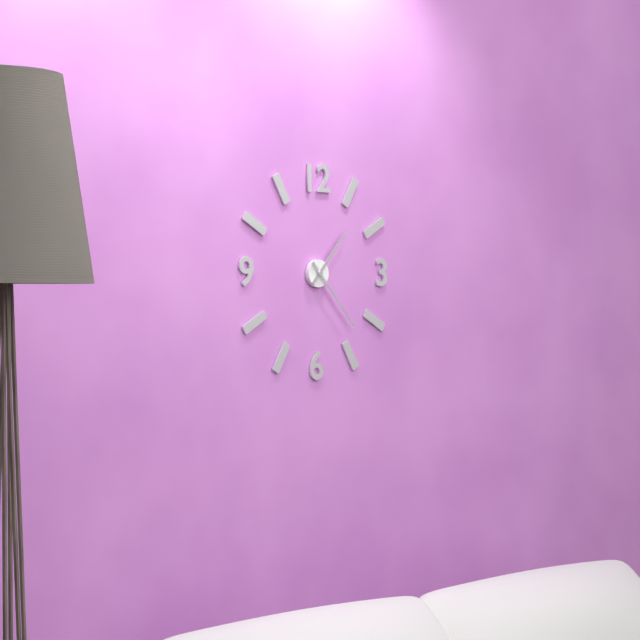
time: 1:23
